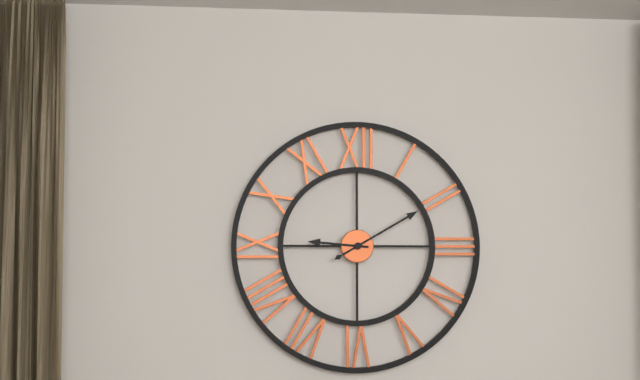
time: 9:10
